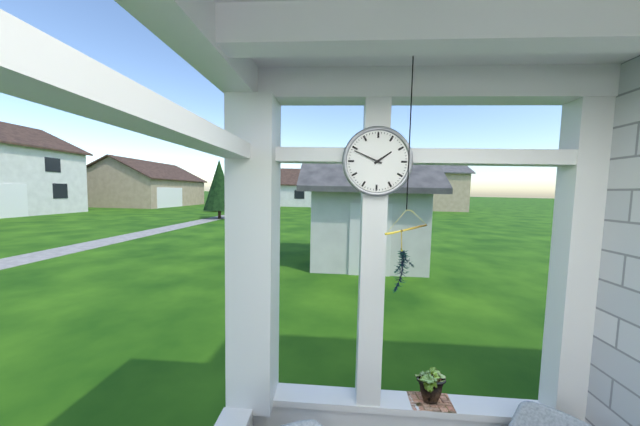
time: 1:49
